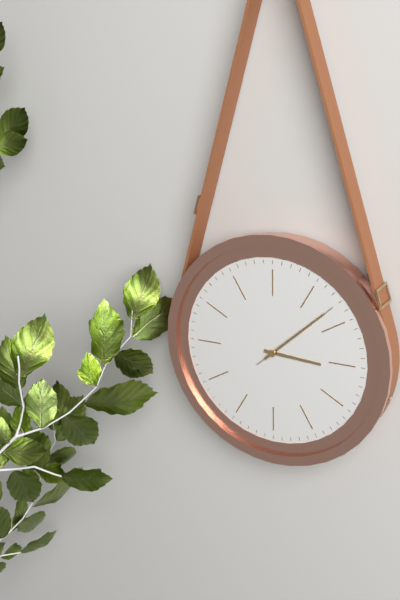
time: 3:08:08
